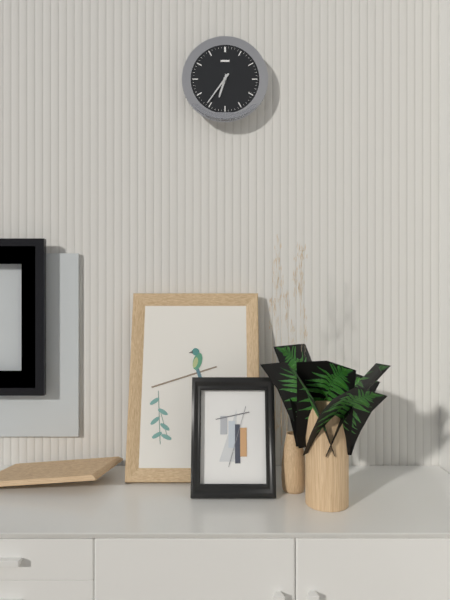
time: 6:36
